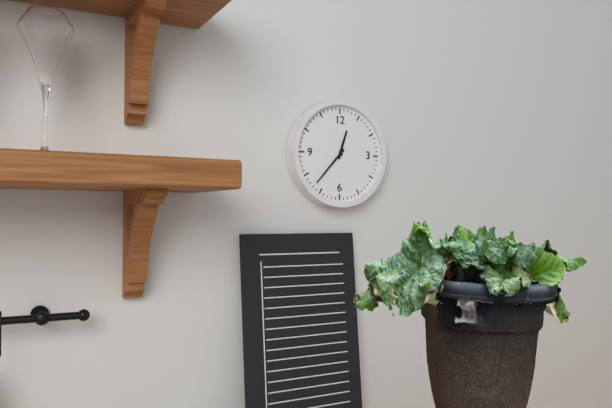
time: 12:37
